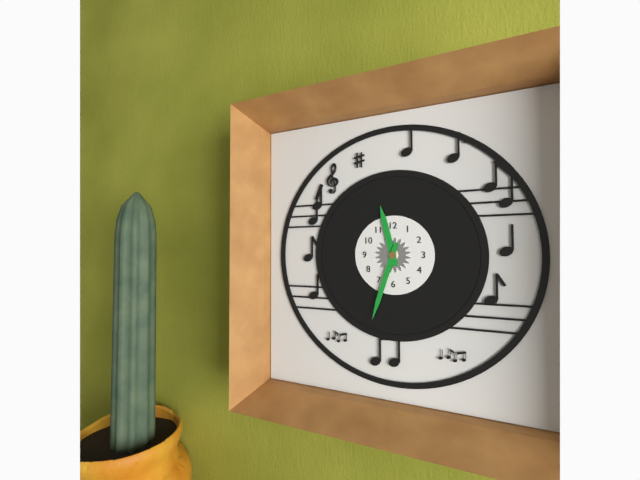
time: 11:33
